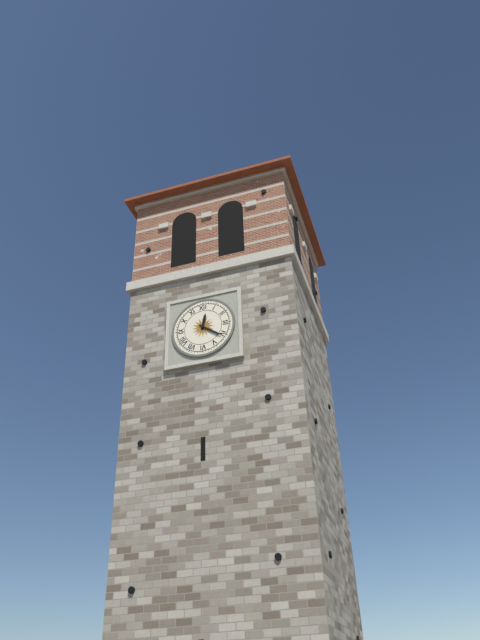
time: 12:21
